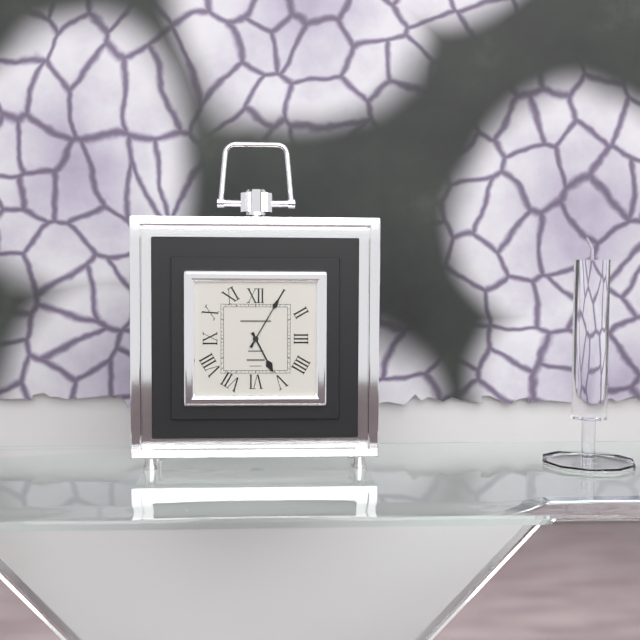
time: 5:05
